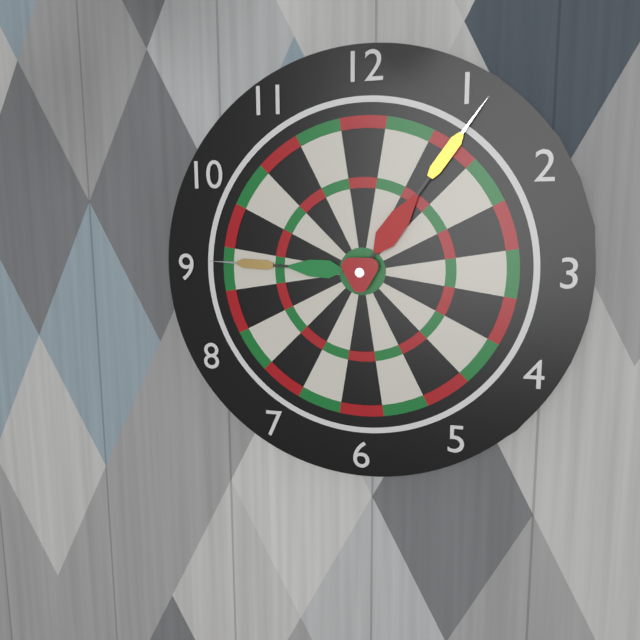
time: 9:06
